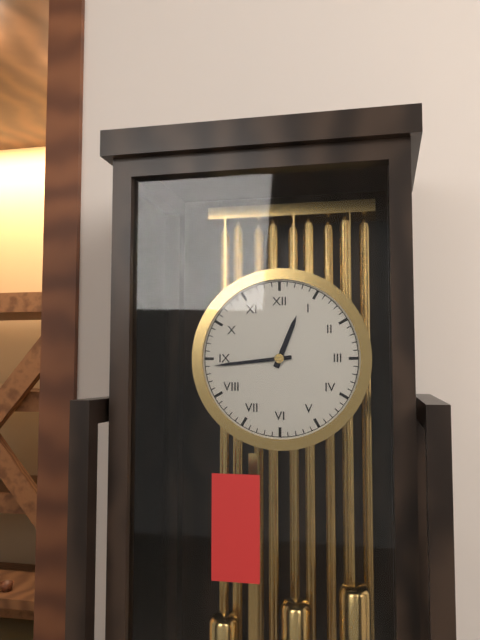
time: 12:44
